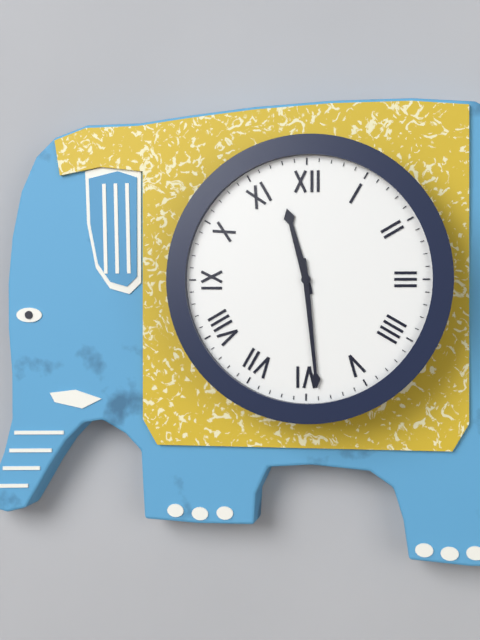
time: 11:29
